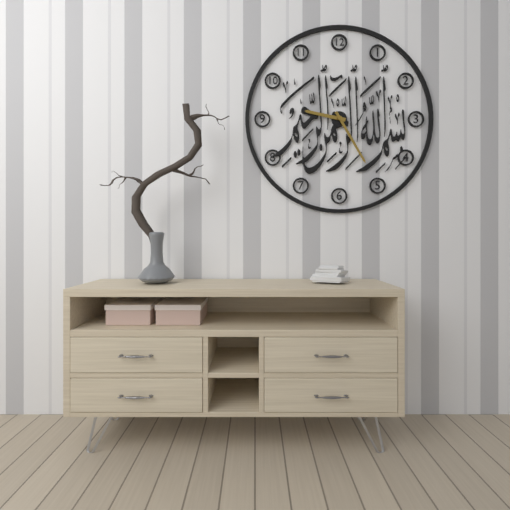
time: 9:25
